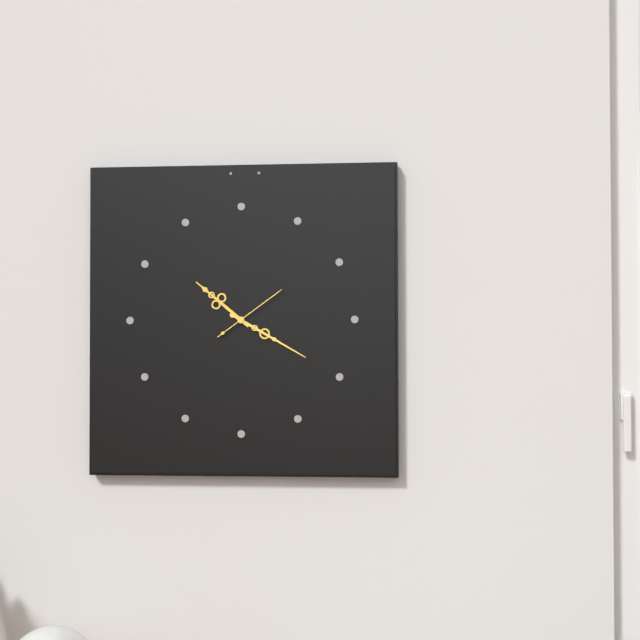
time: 10:20:09
